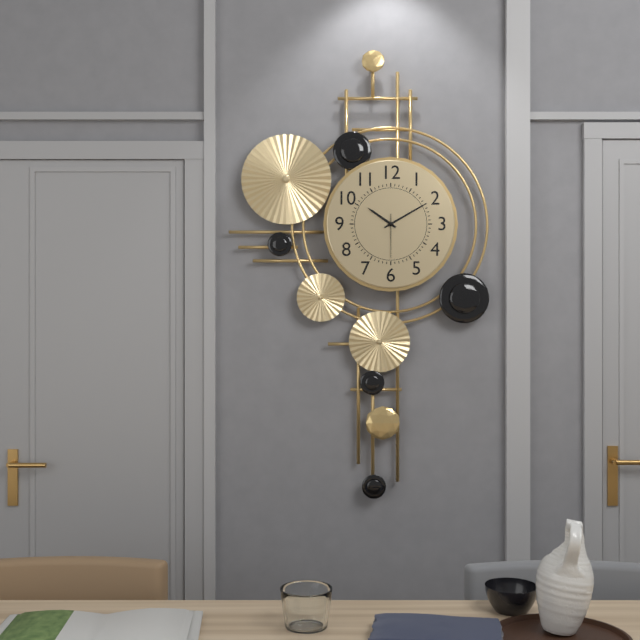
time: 10:10
